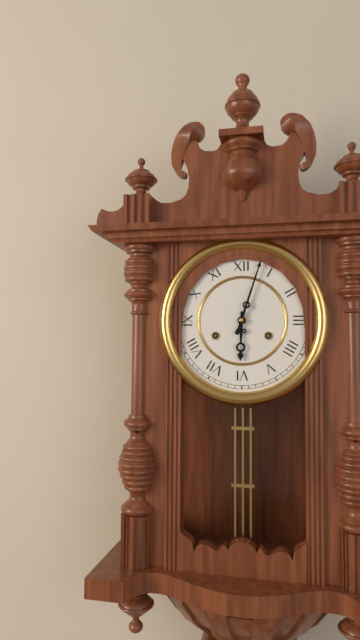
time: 6:03
